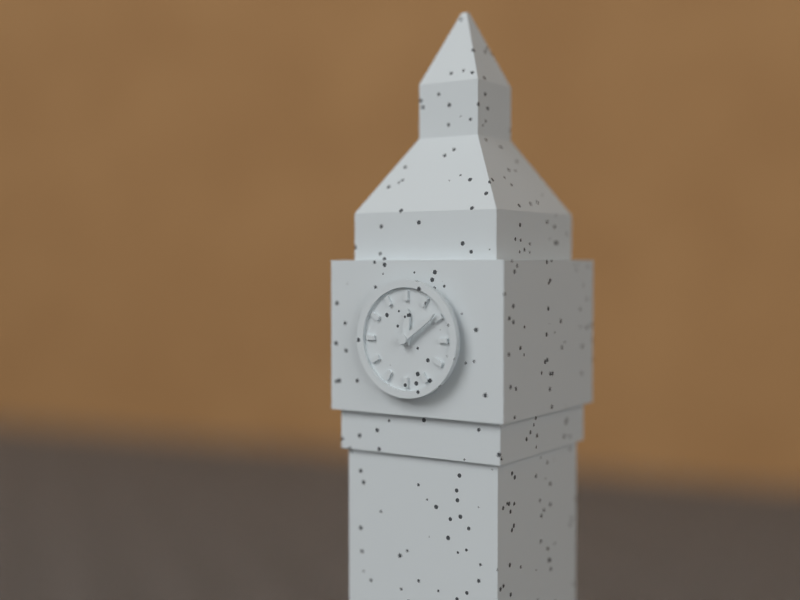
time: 12:09
